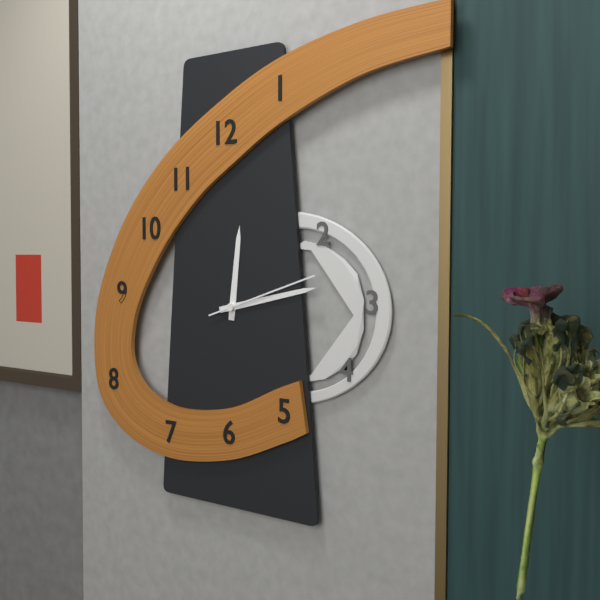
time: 12:13:12
